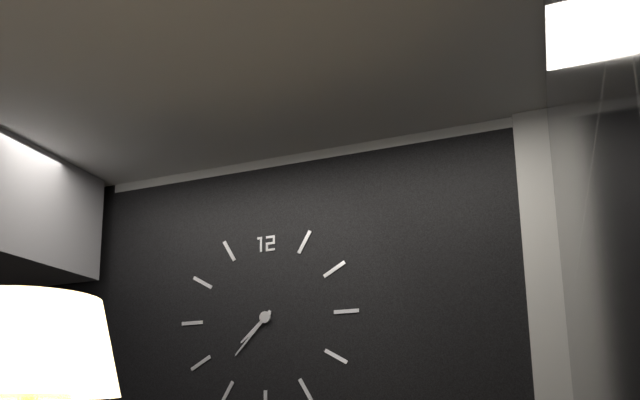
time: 7:37
